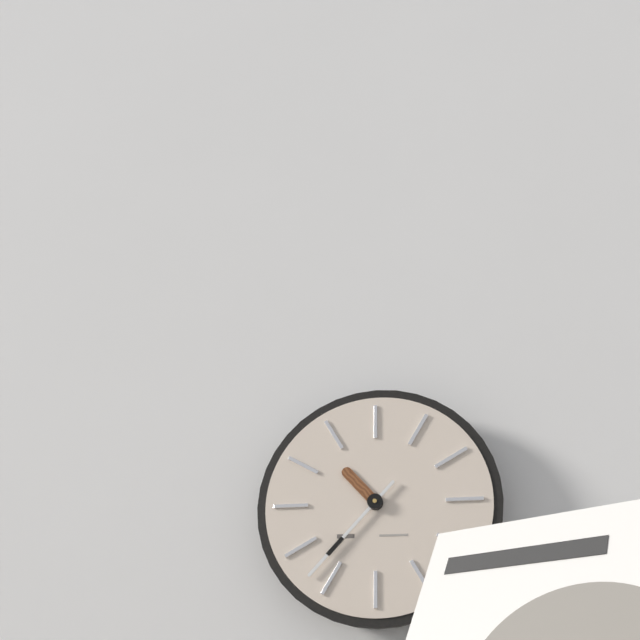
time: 10:37
